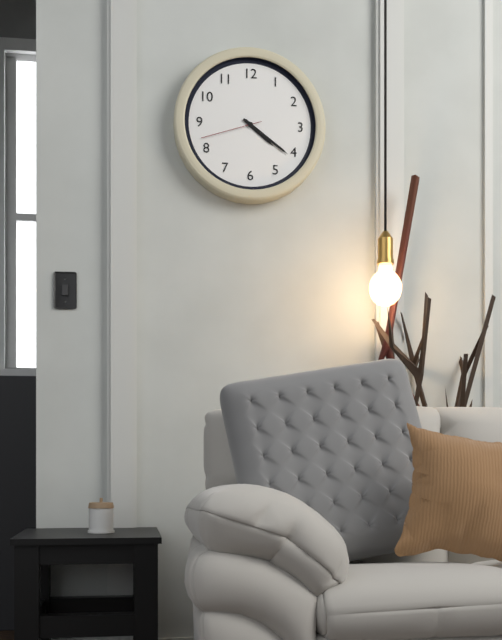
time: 4:21:42
